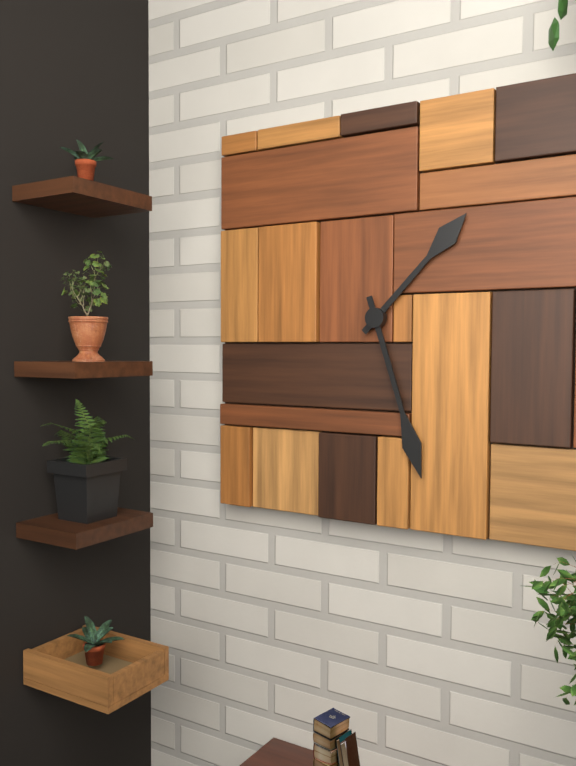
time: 1:27
